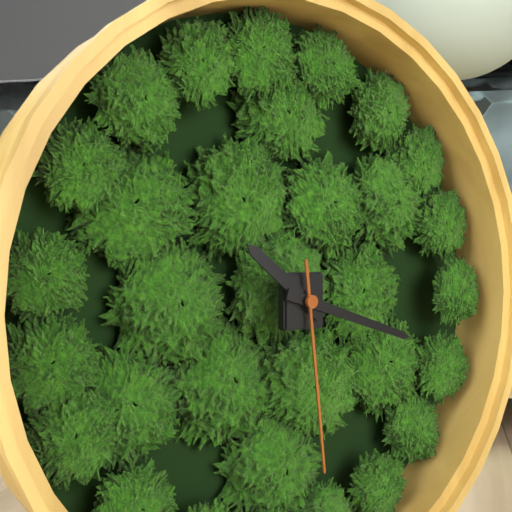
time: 10:18:29
